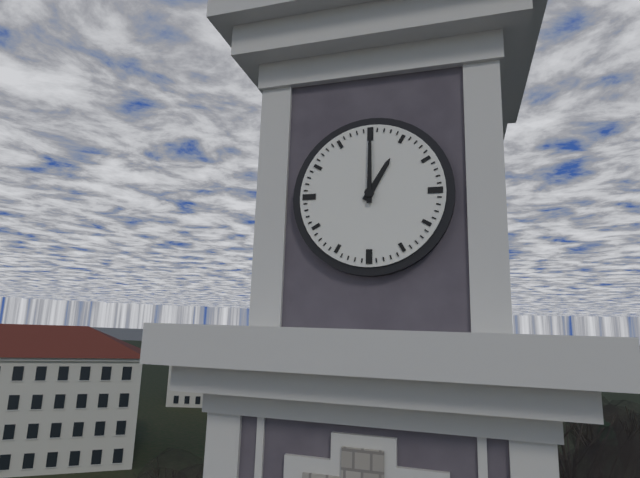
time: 1:00
